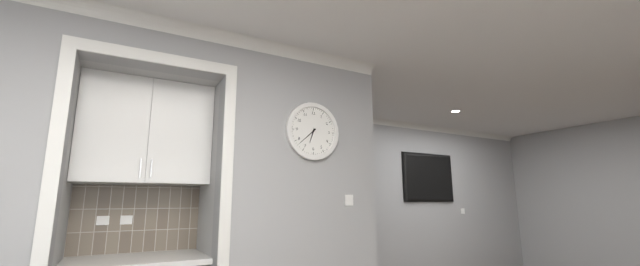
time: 6:38
